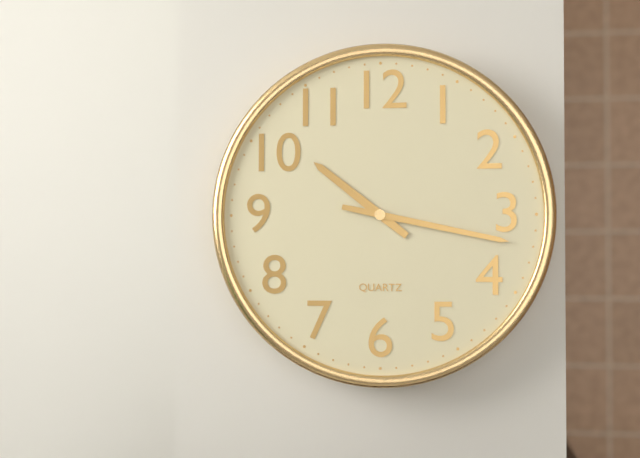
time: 10:17
